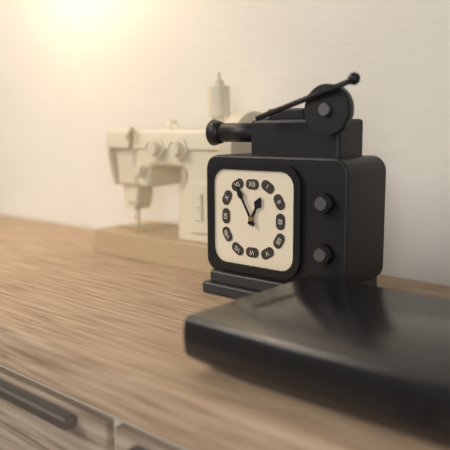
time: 12:55
